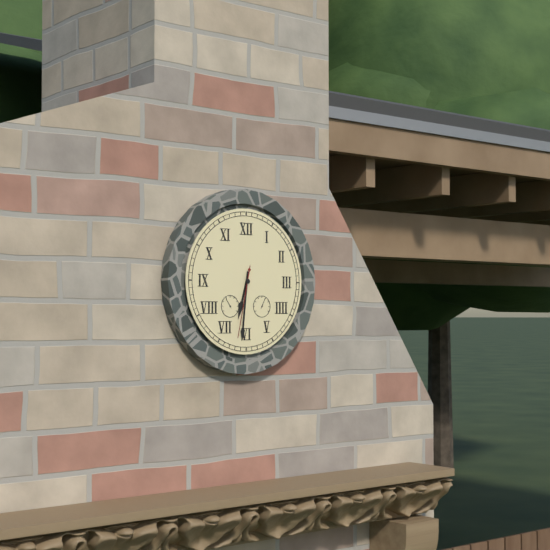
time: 6:31:32
